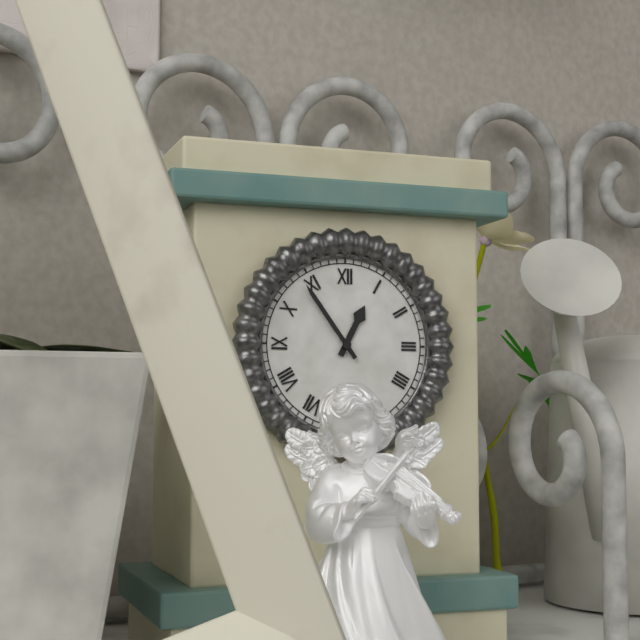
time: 12:54
